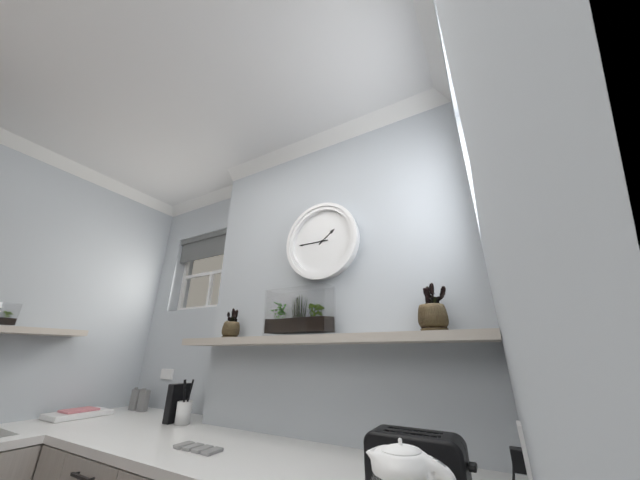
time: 1:45
